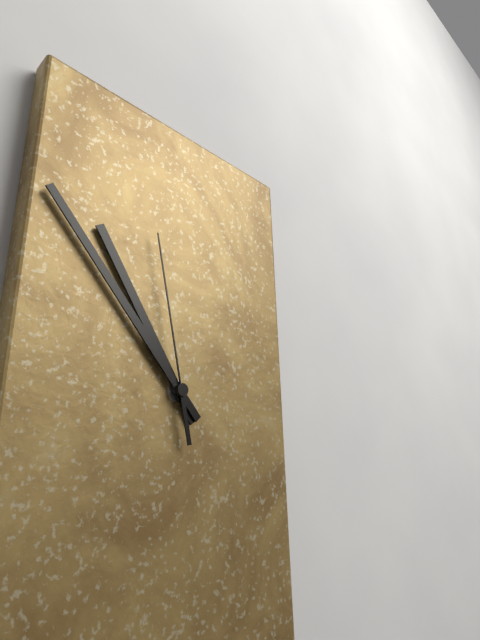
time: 10:53:58
